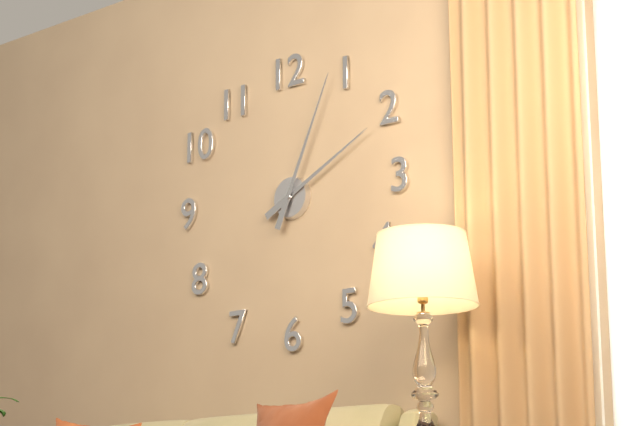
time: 2:04
